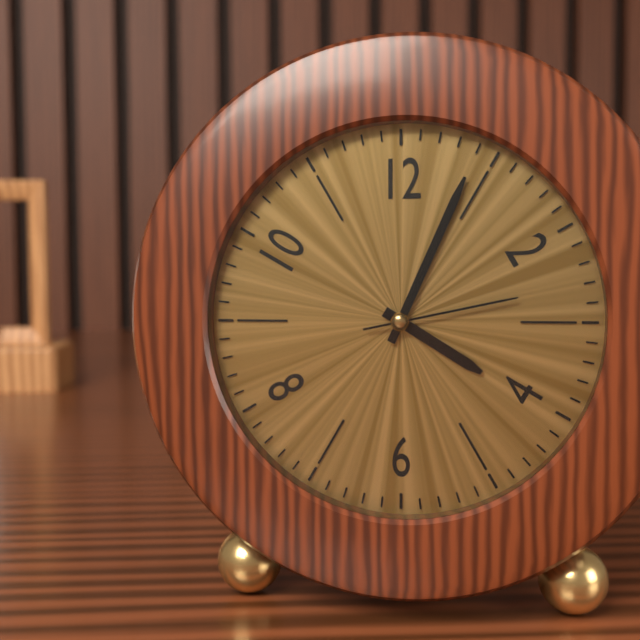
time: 4:04:13
